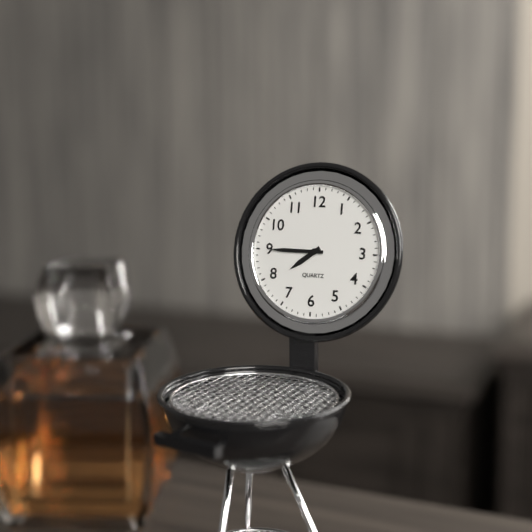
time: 7:45
